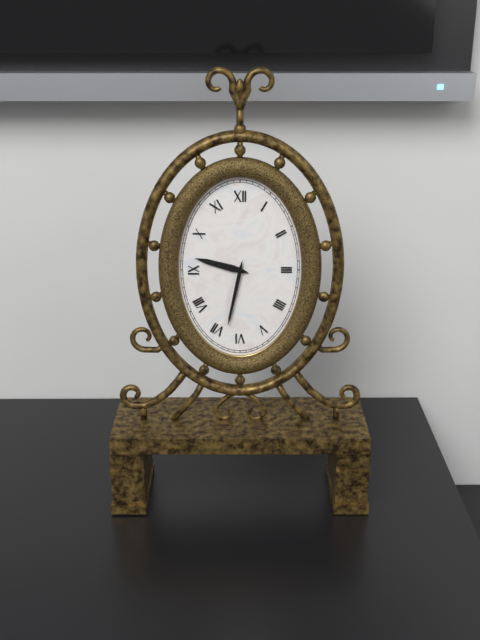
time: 9:32
